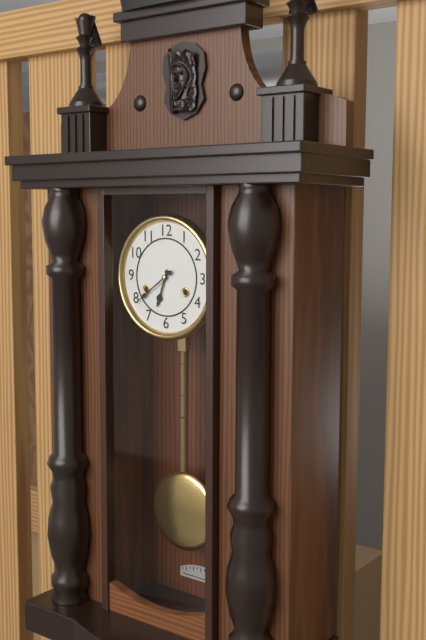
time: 6:39
